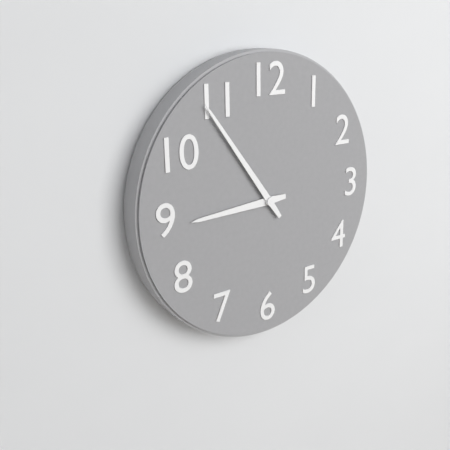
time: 8:54
